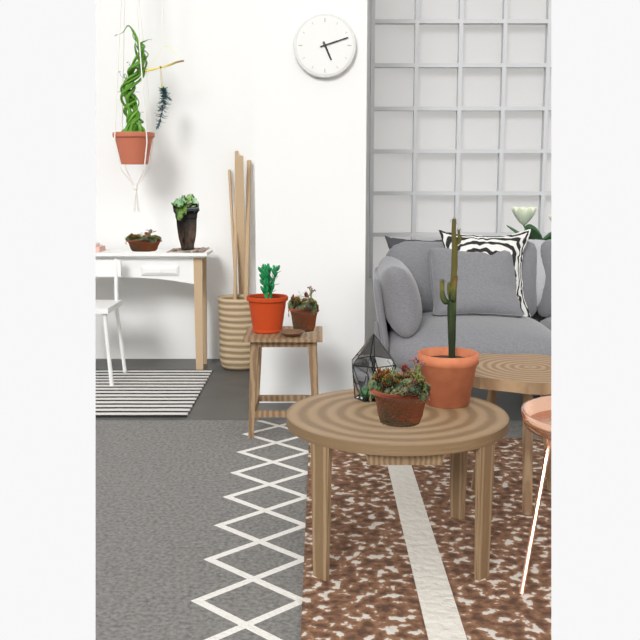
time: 5:12
